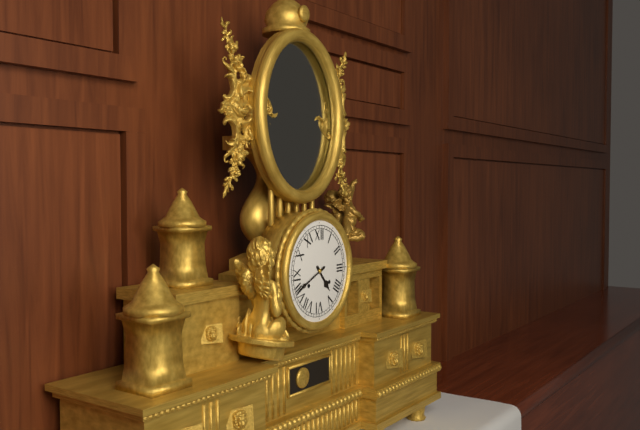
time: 4:41
